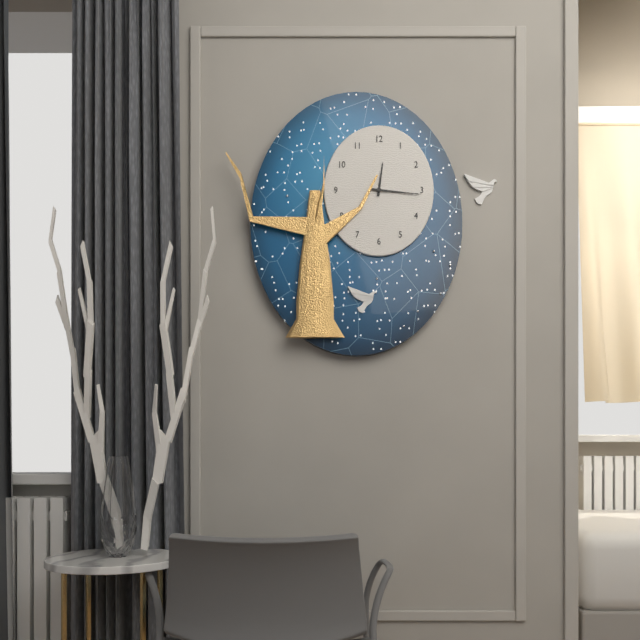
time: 12:16
